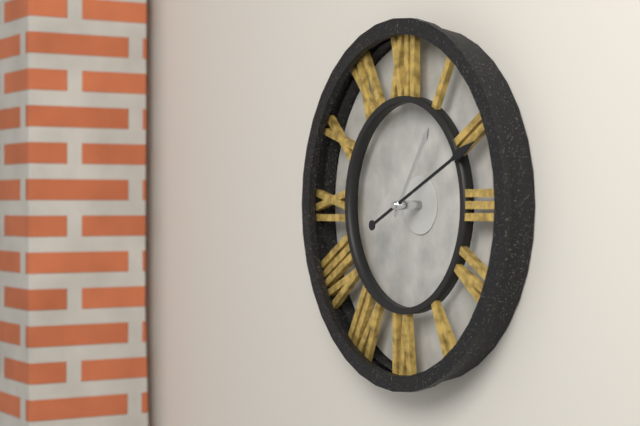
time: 1:11
